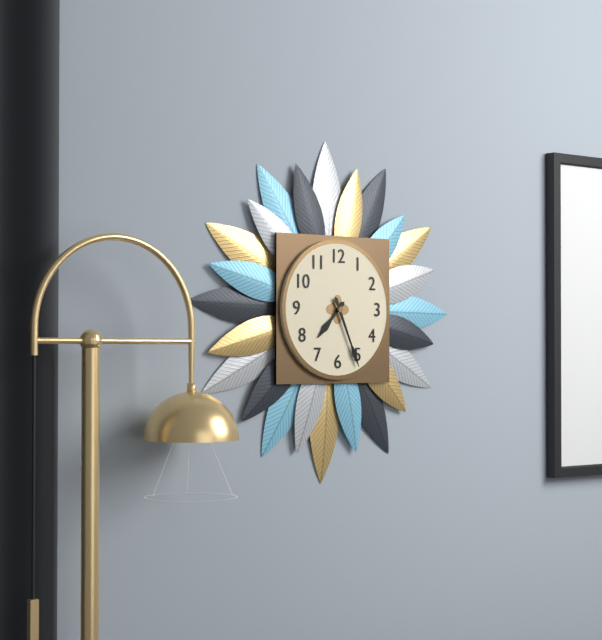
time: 7:26
